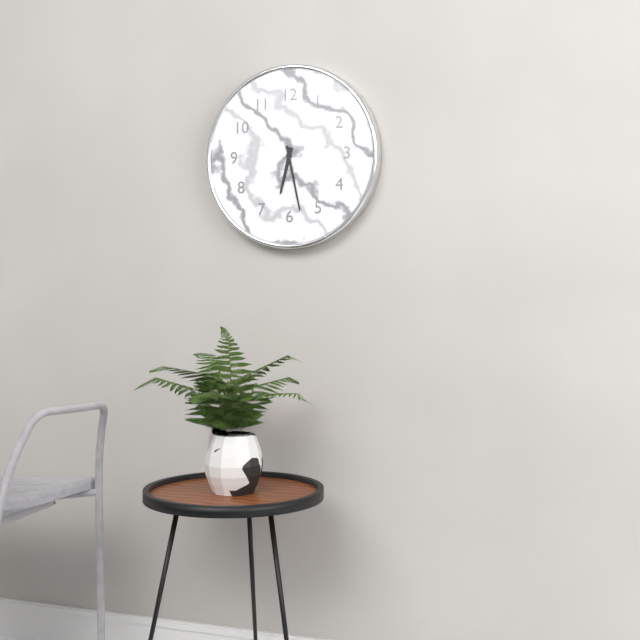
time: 6:28
